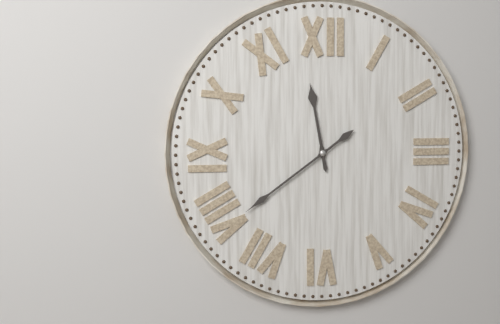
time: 11:39
